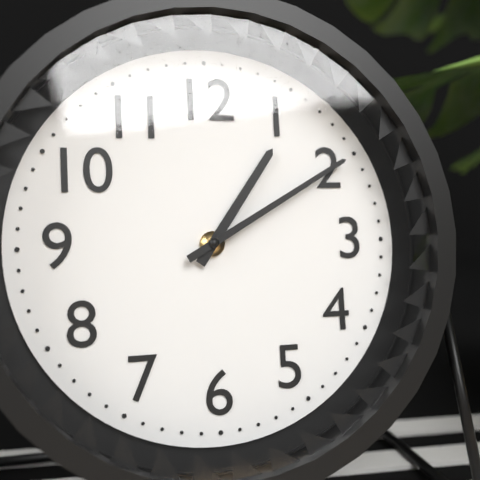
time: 1:10
